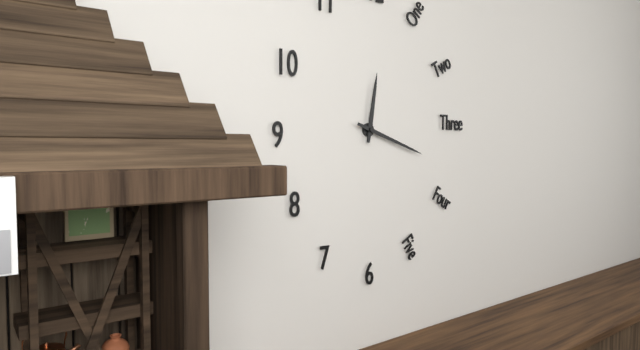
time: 12:18
